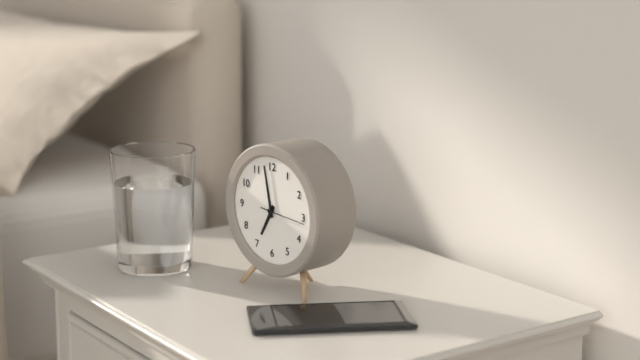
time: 6:58
